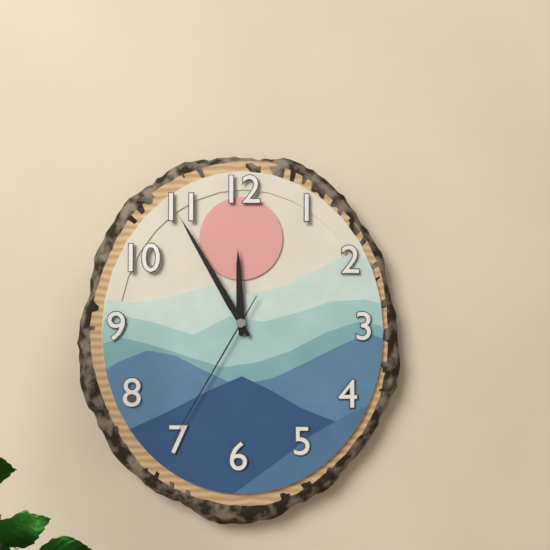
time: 11:55:35
